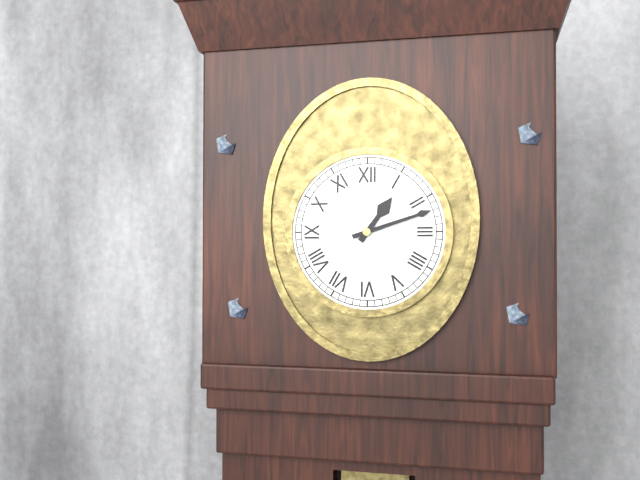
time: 1:12
